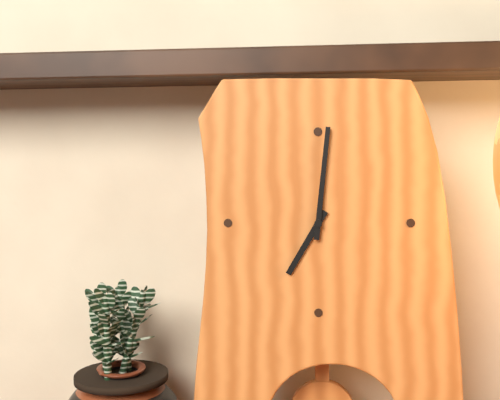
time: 7:01
